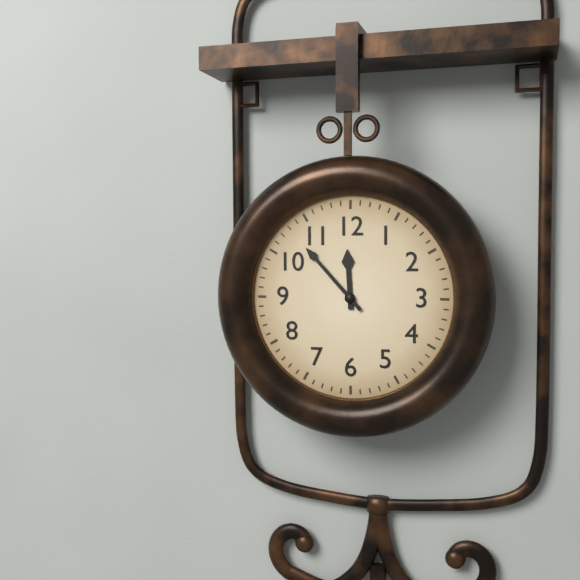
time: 11:53
